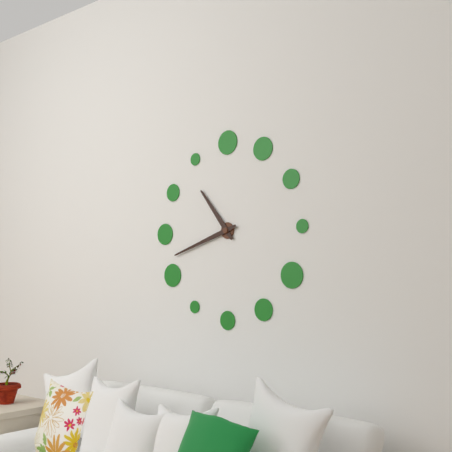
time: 10:42
